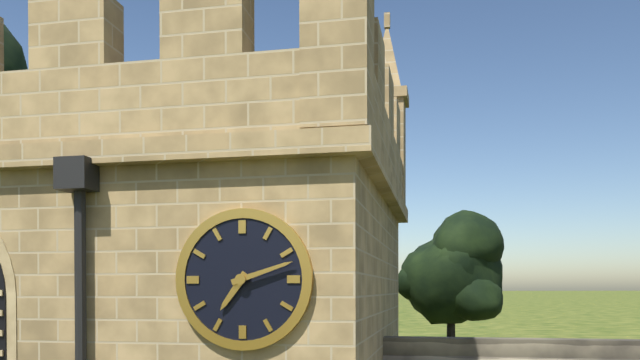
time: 7:12
